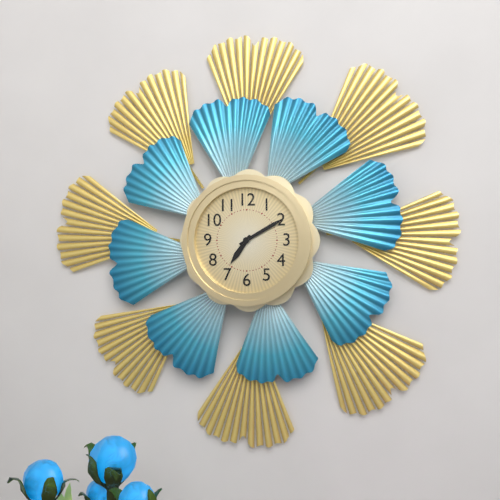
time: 7:10
